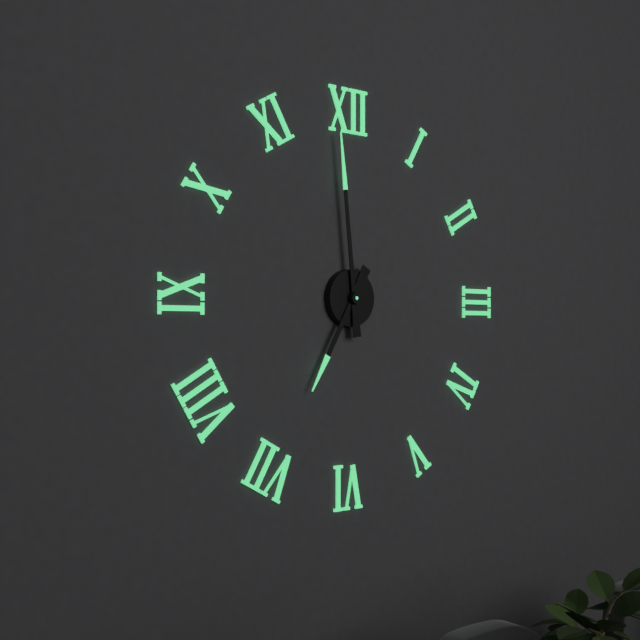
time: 6:59
